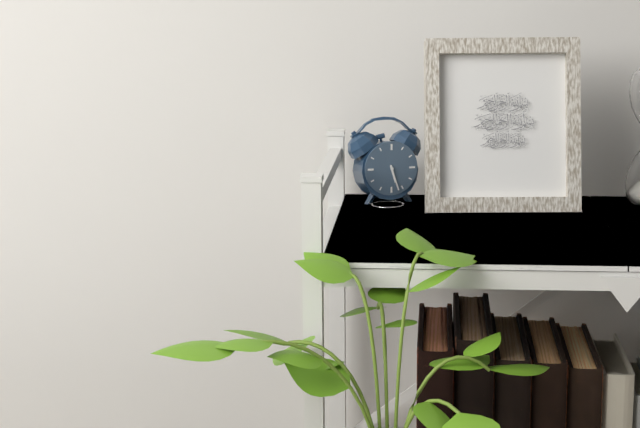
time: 5:27
